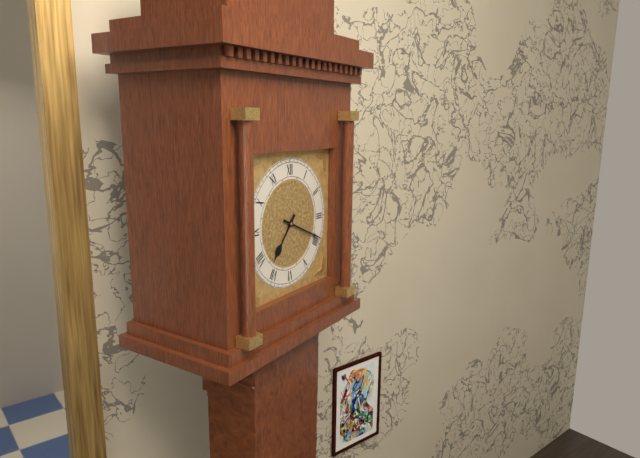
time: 7:19
